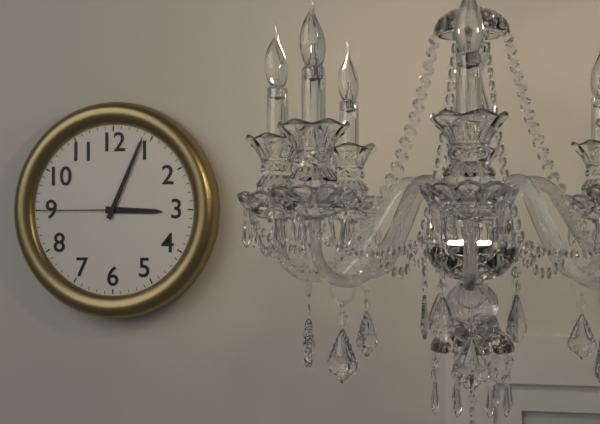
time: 3:04:45
